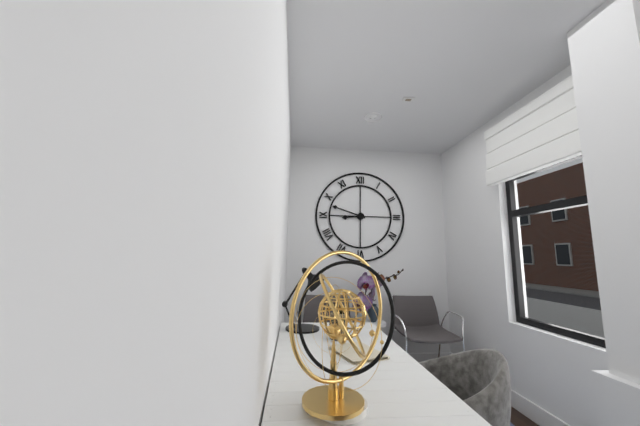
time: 8:48
